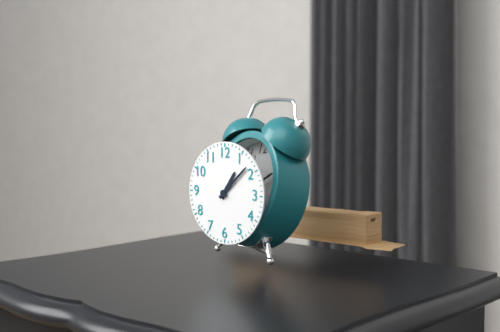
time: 1:08
